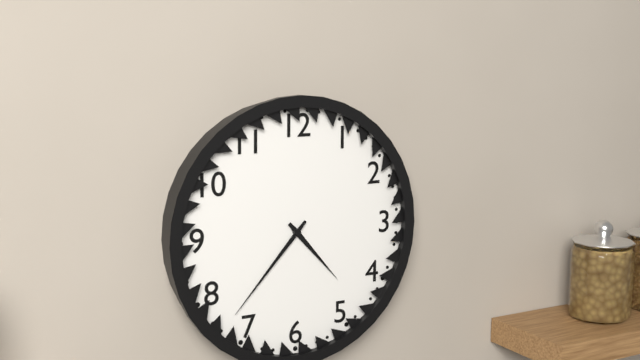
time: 4:37
